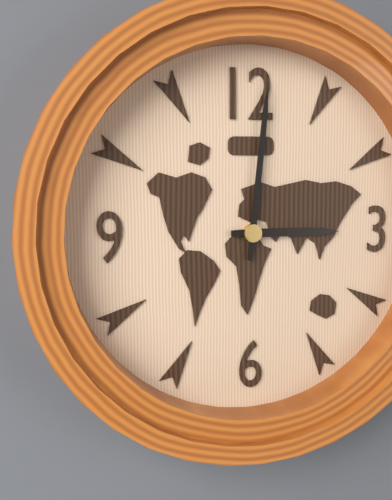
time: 3:01
